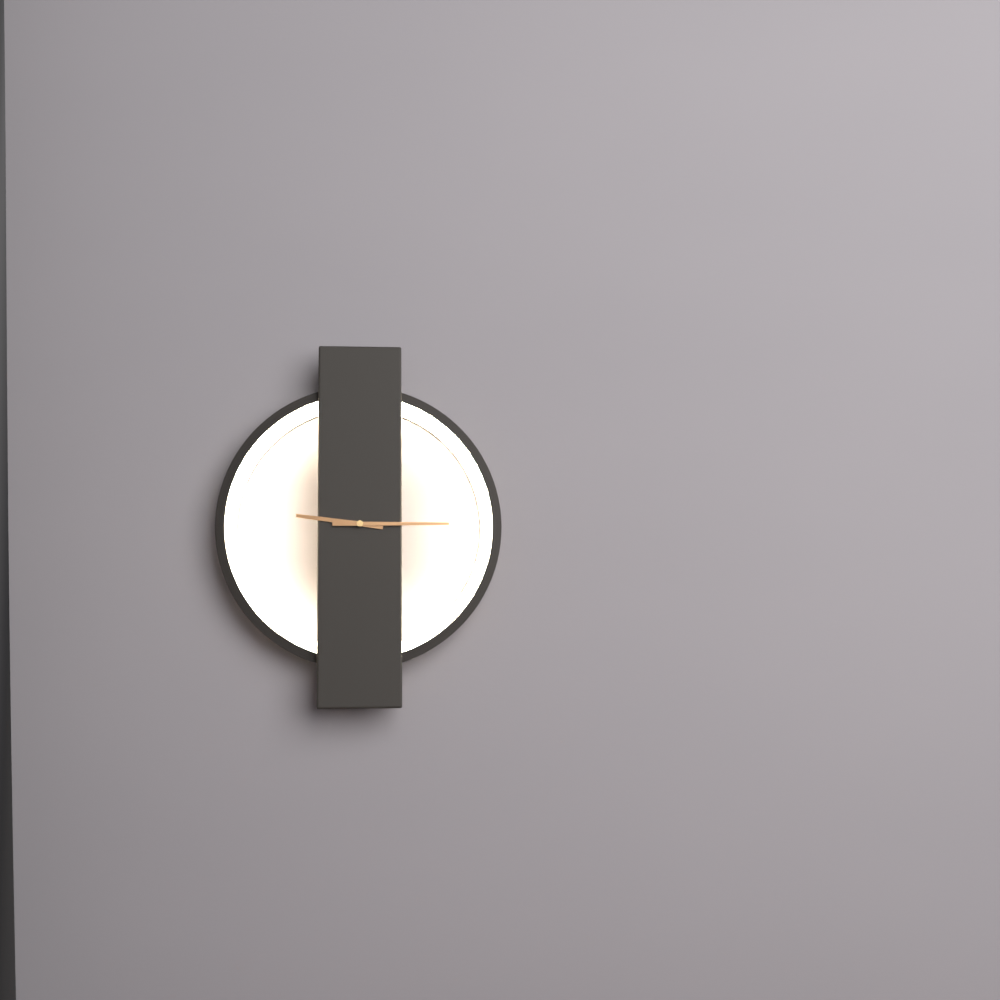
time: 9:15
